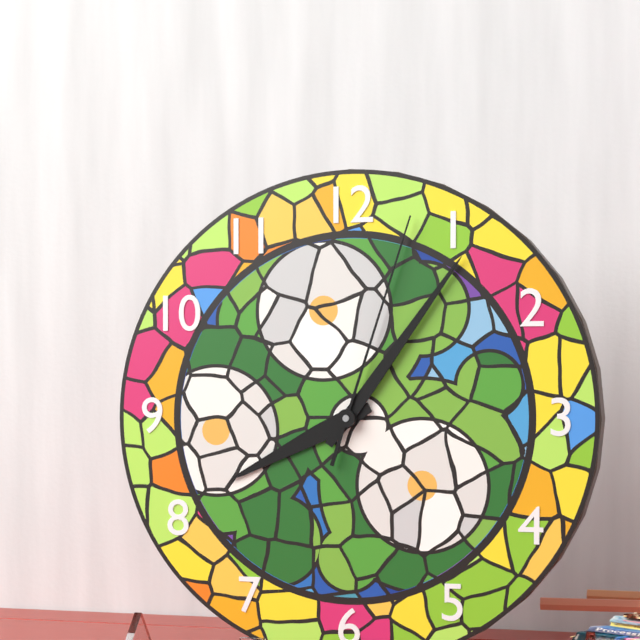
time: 8:06:03
